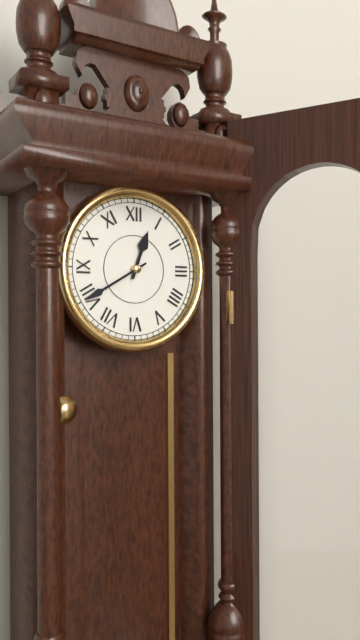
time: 12:40
